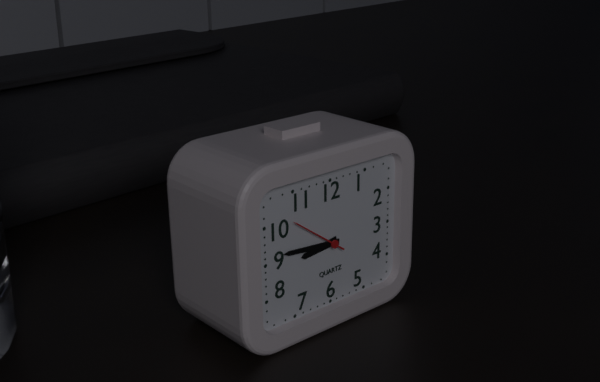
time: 8:46:51
